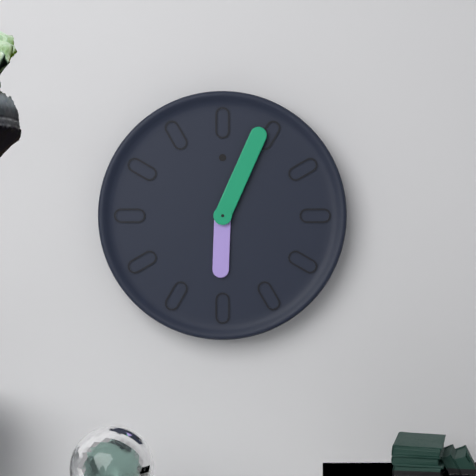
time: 6:04
